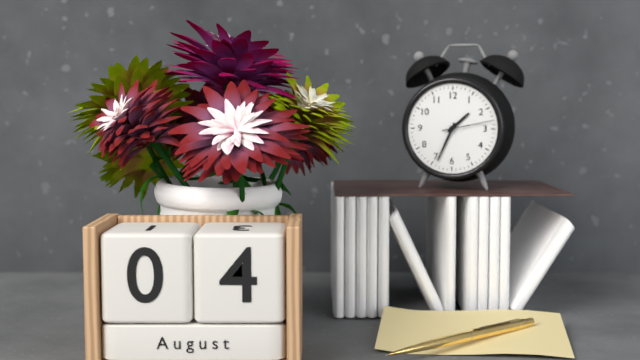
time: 1:34
